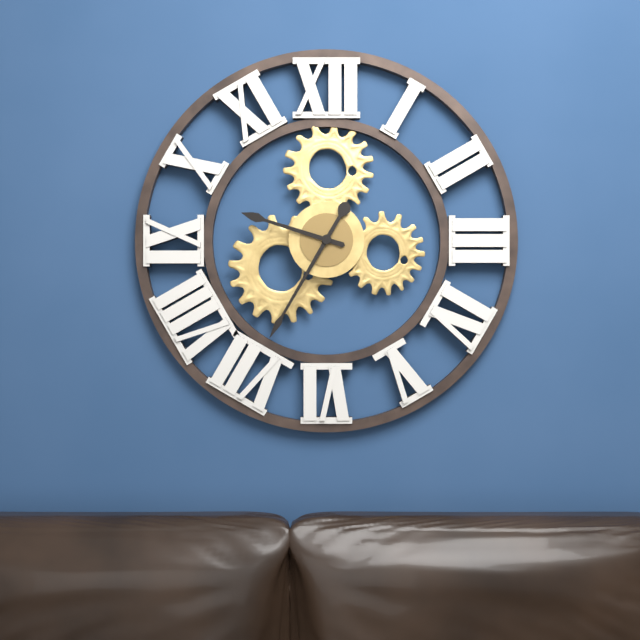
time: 9:35
